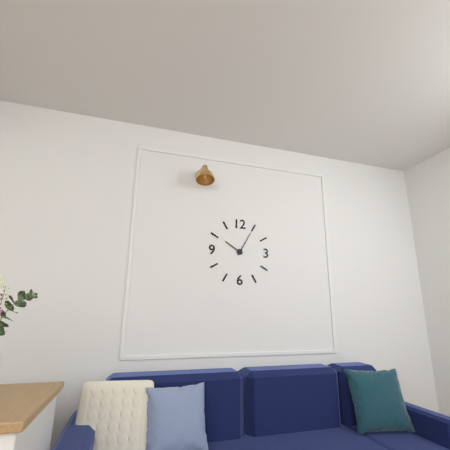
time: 10:05
